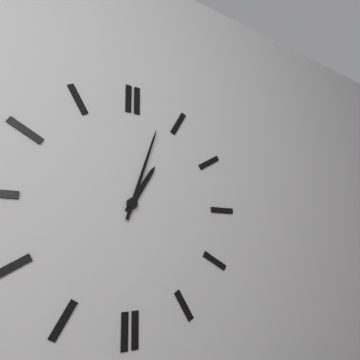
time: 1:03
